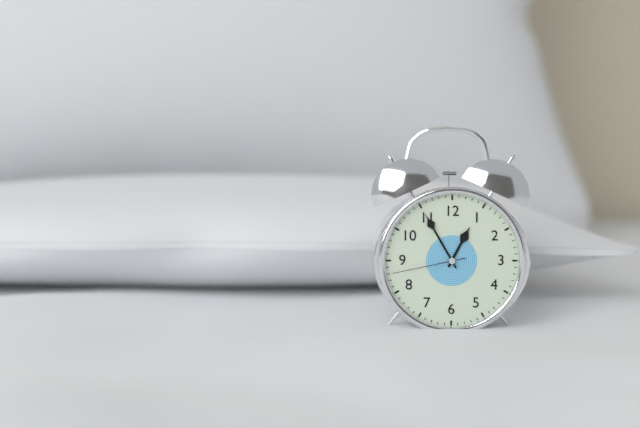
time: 12:55:43
